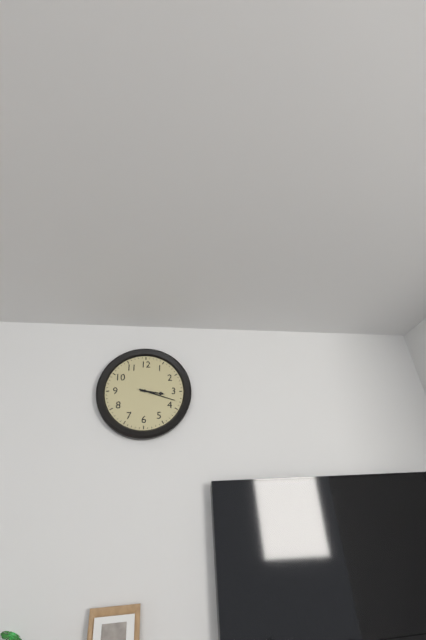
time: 3:18
